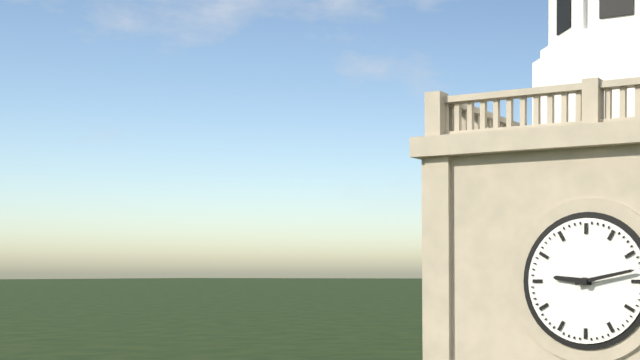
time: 9:13
